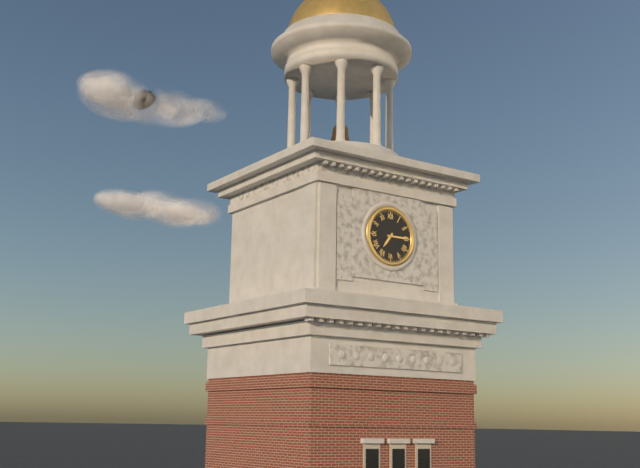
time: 7:15
